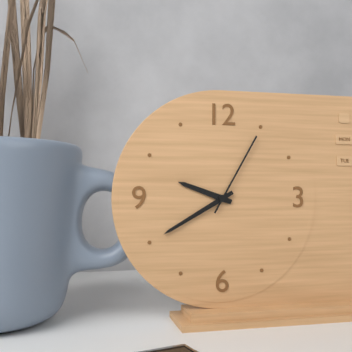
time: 9:40:05
